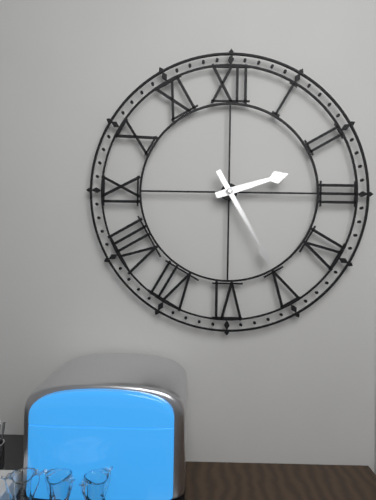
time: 2:25
